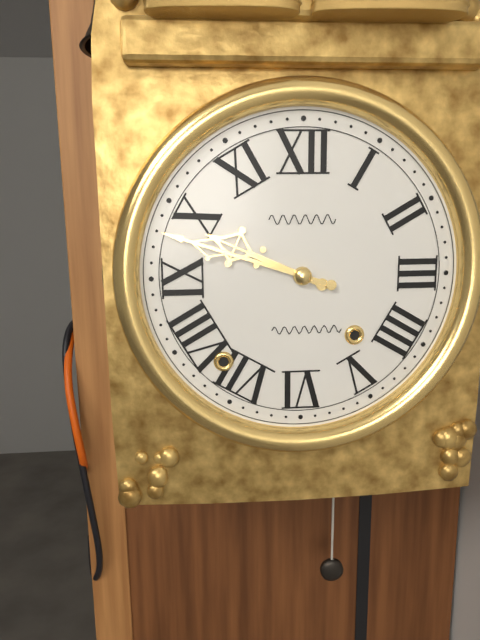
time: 9:48
